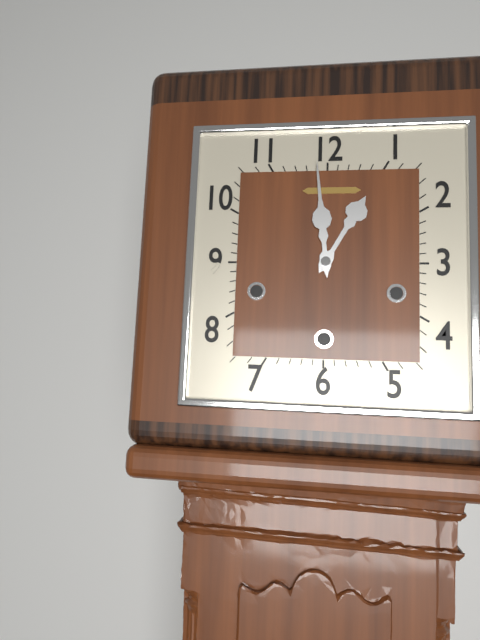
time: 12:59
